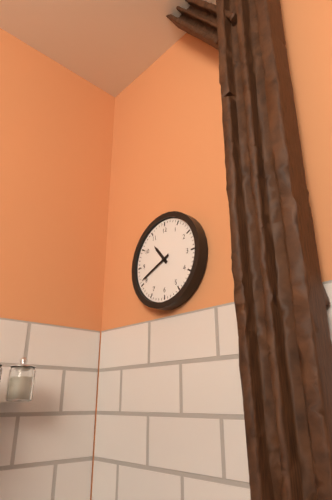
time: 10:41
